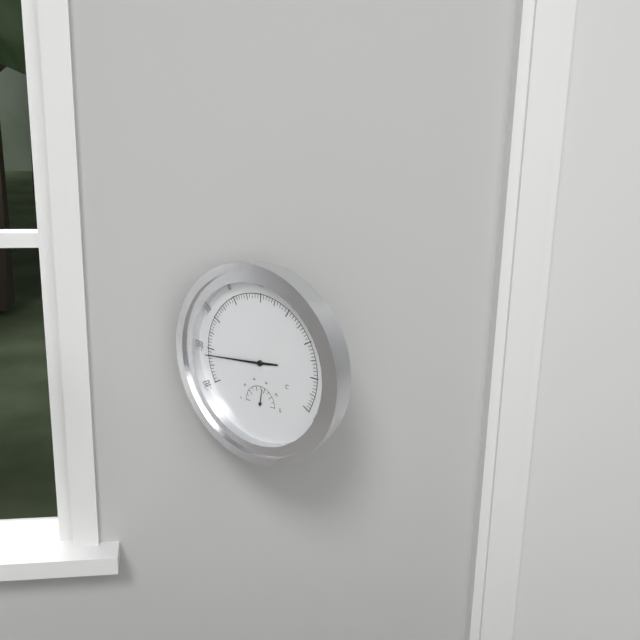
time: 2:44
